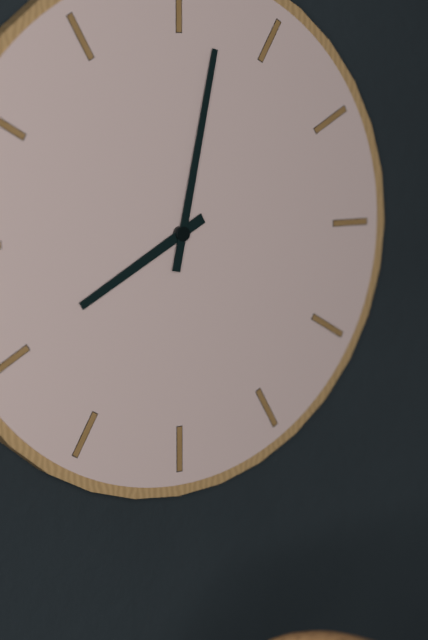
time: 8:02
